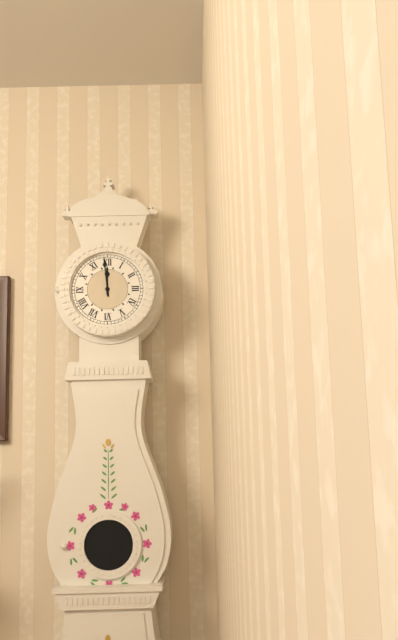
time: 11:59
